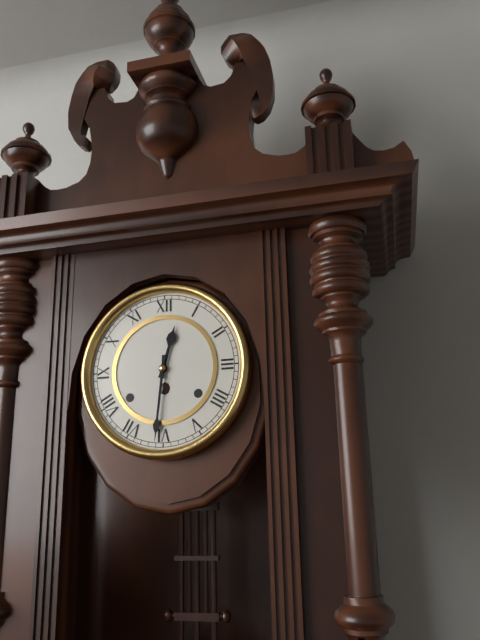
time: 12:31
